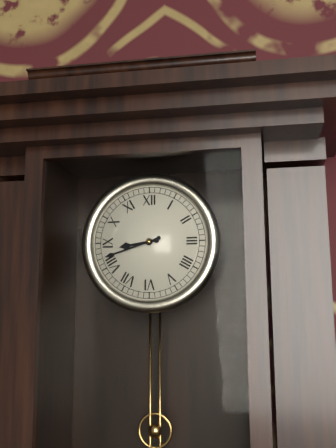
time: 8:42
